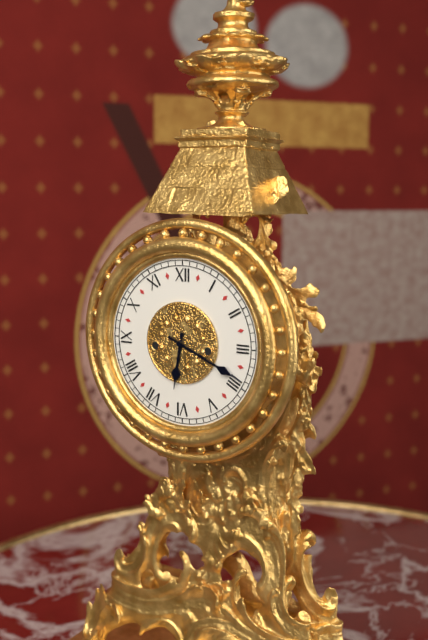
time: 6:19
